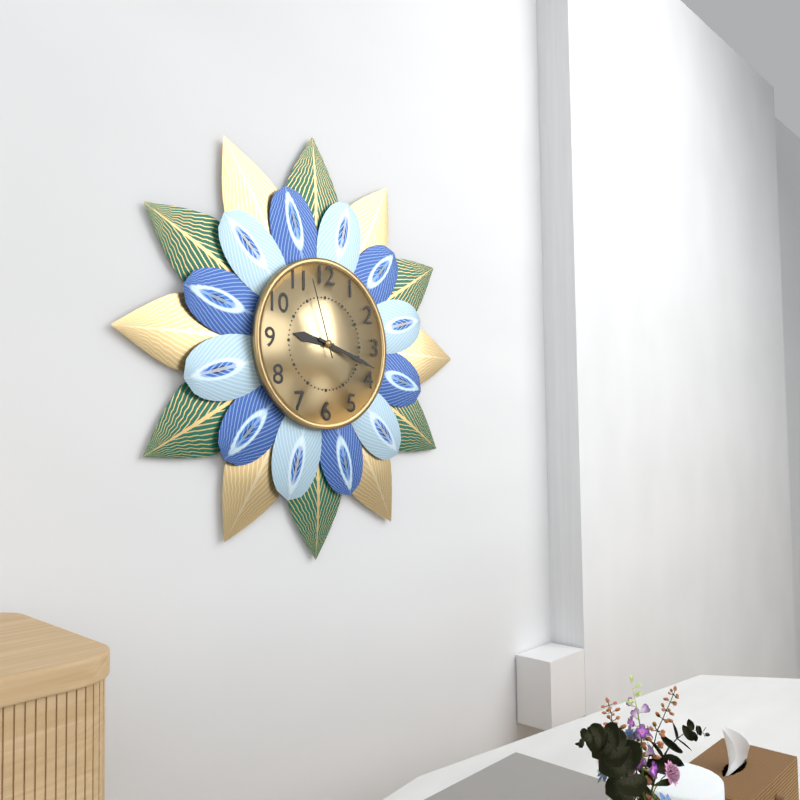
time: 9:18:57
